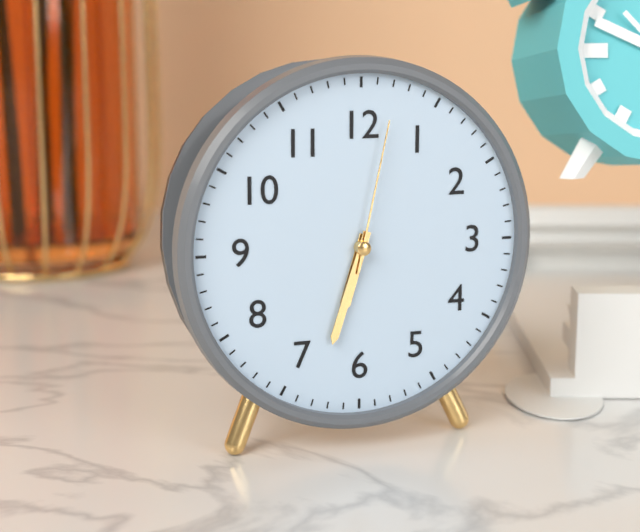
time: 6:33:02
